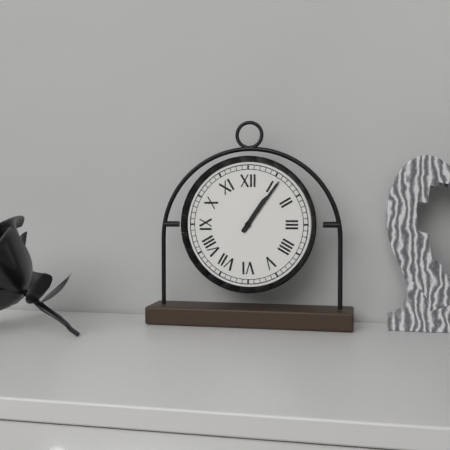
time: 1:06
